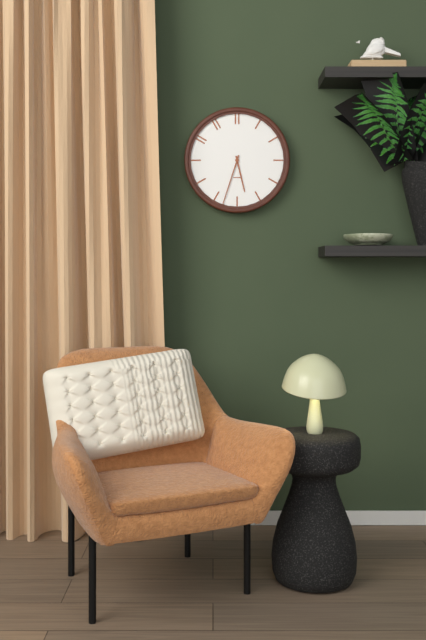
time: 5:33
